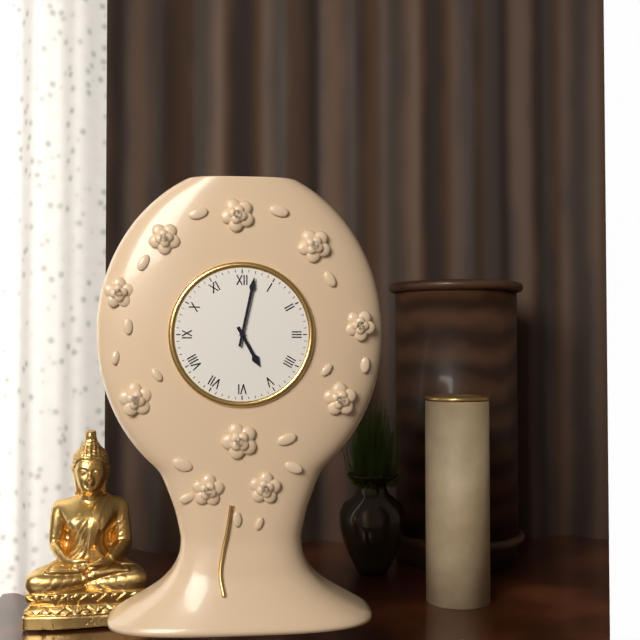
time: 5:02
